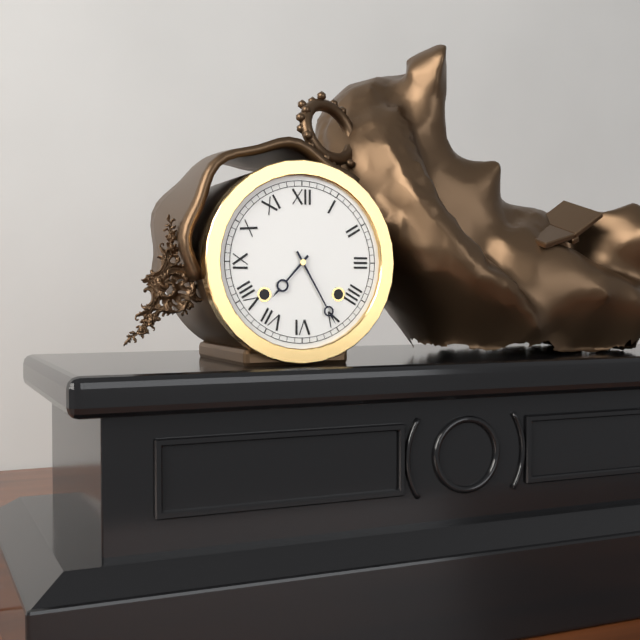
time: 7:25
